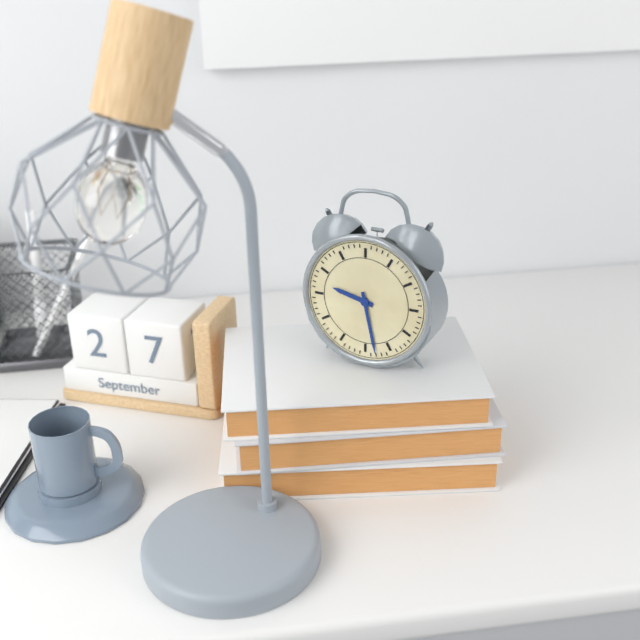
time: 9:28
